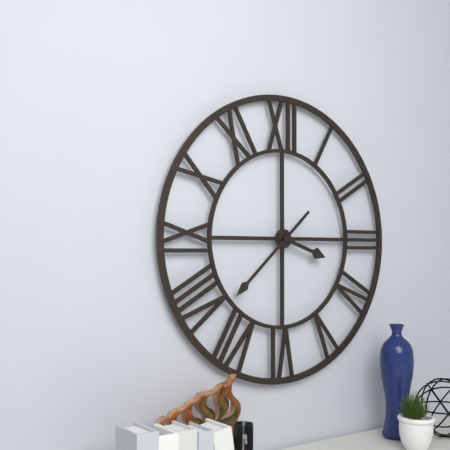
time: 3:38
